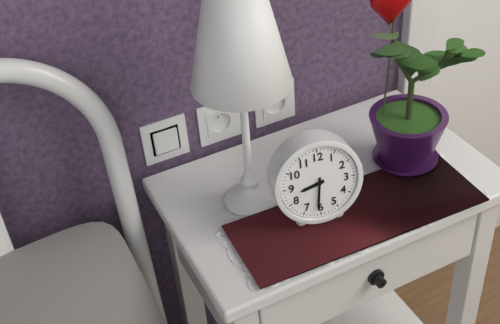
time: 8:31
